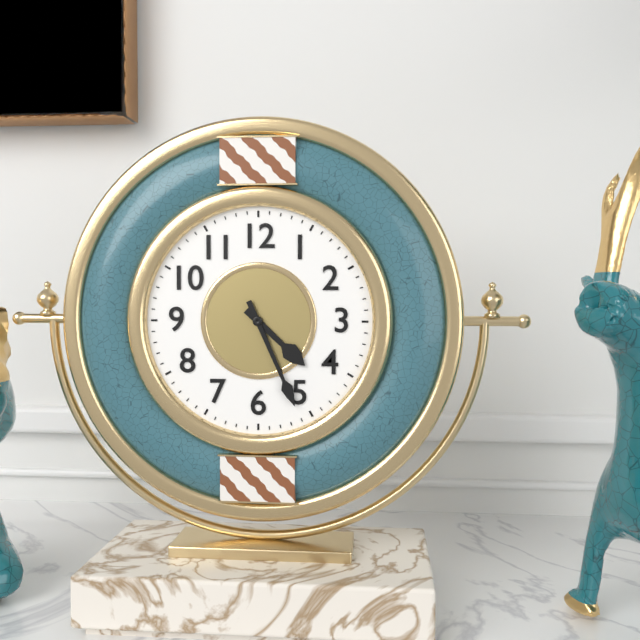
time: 4:26
